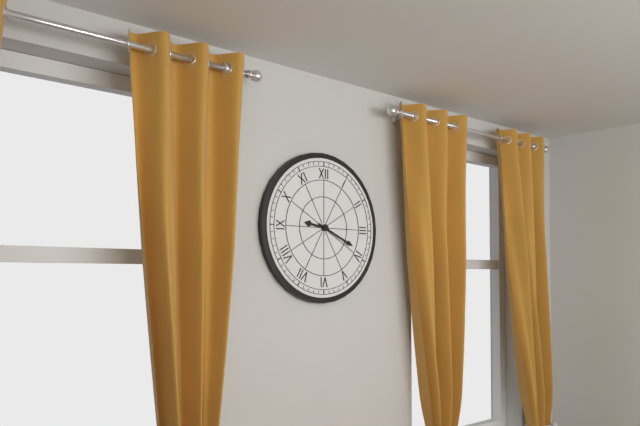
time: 9:19
